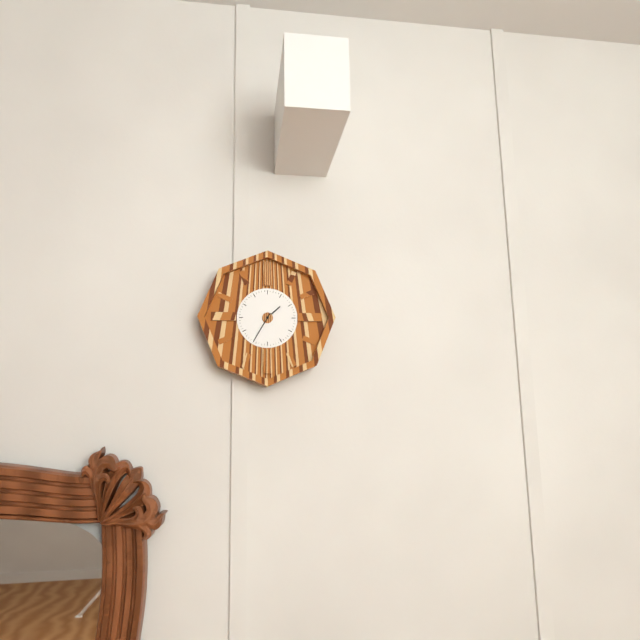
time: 1:35
